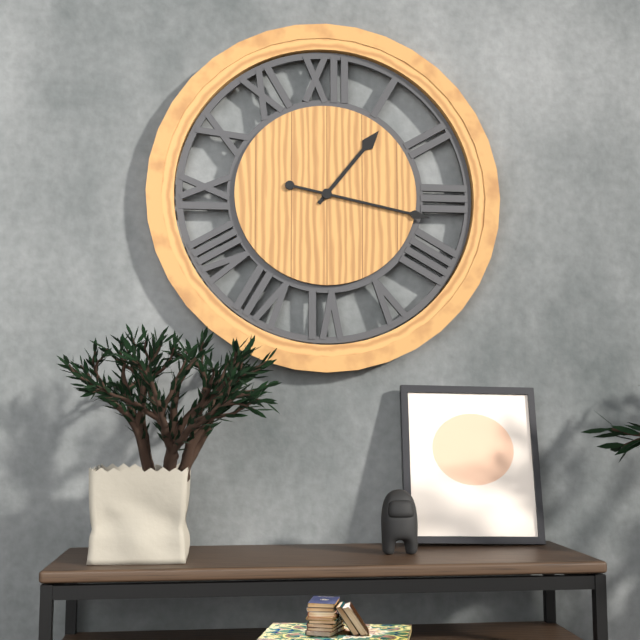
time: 1:17
